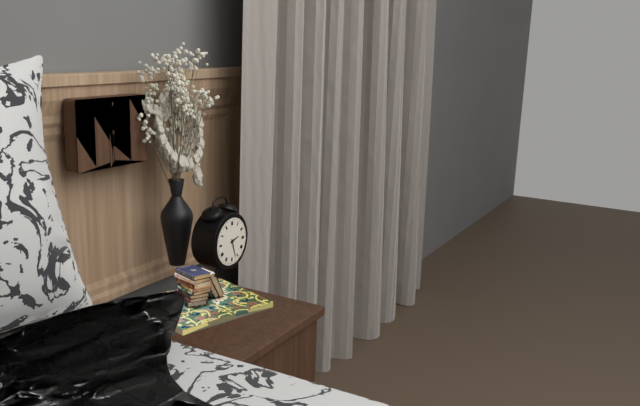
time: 2:27
